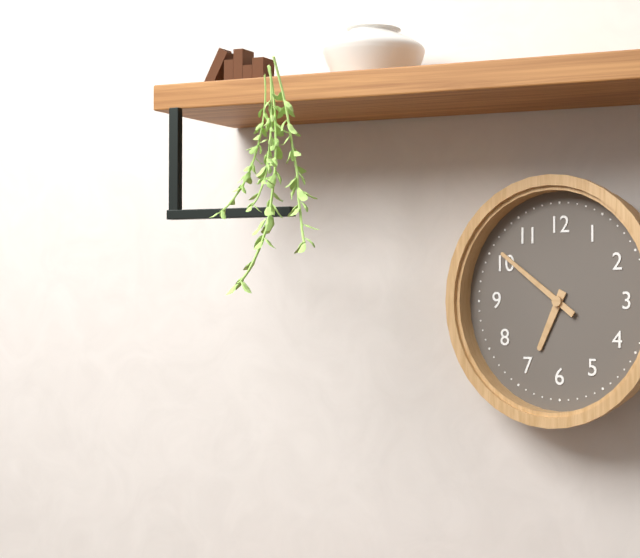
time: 6:51
